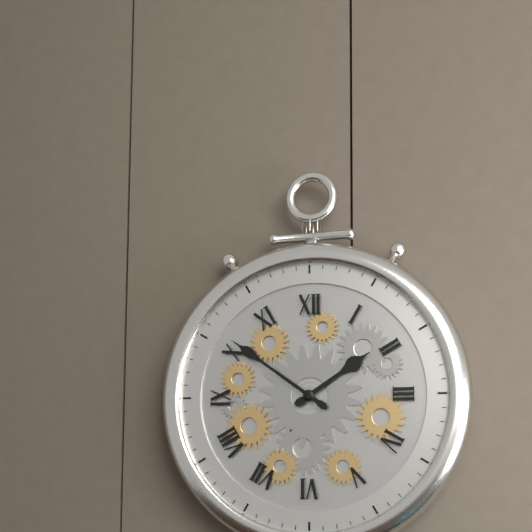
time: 1:51
